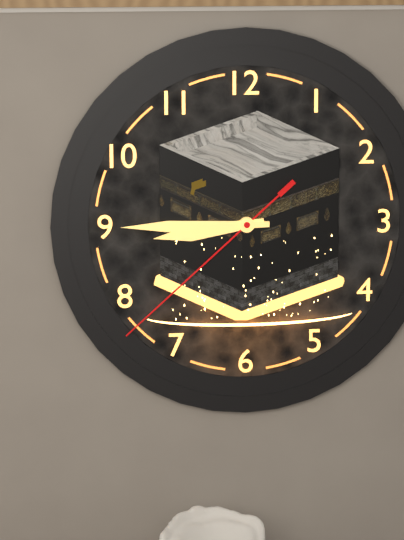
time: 8:45:38
